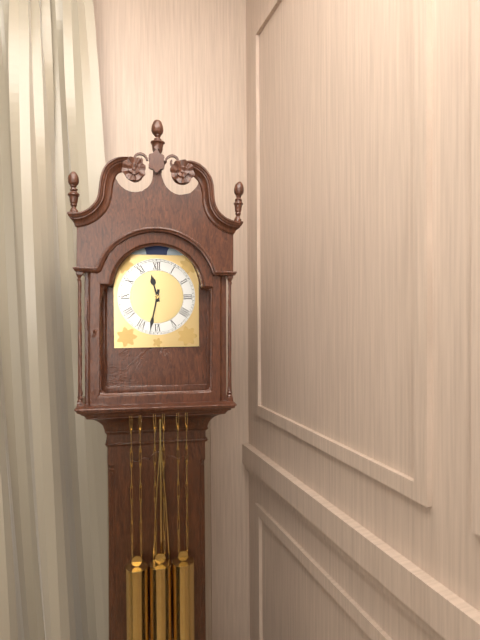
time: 11:32
